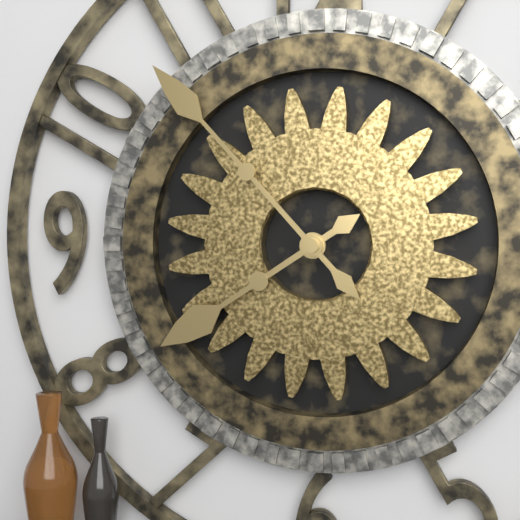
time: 7:53
